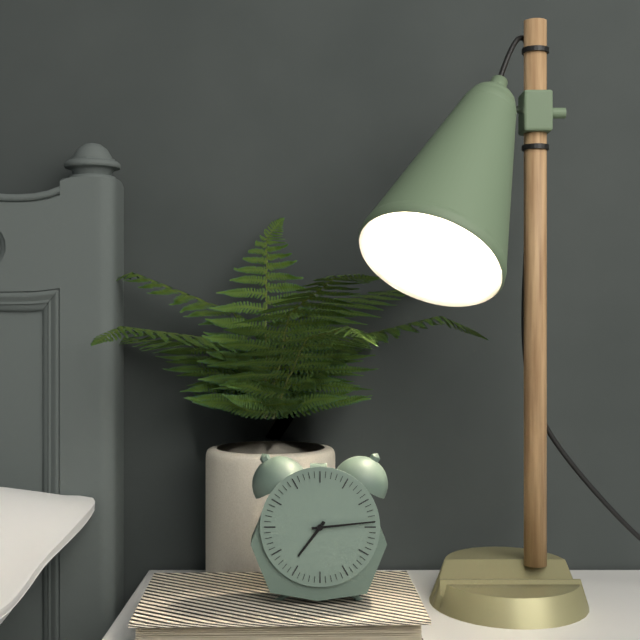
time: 7:14
